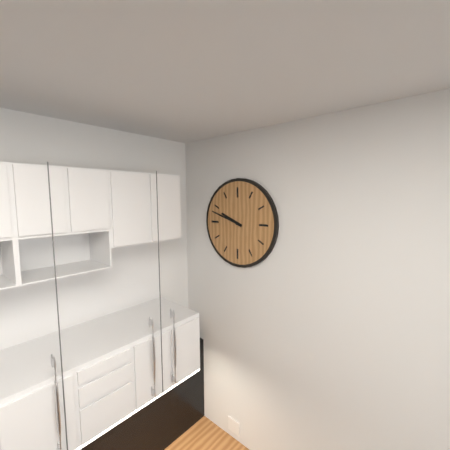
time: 9:48
